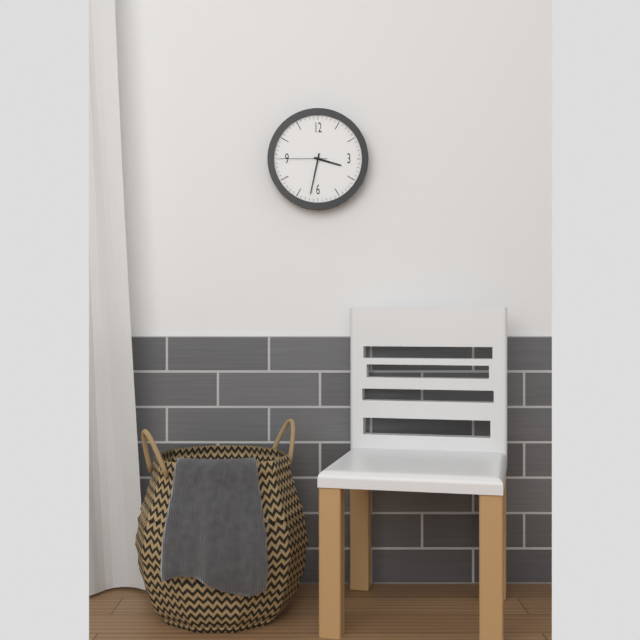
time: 3:32
